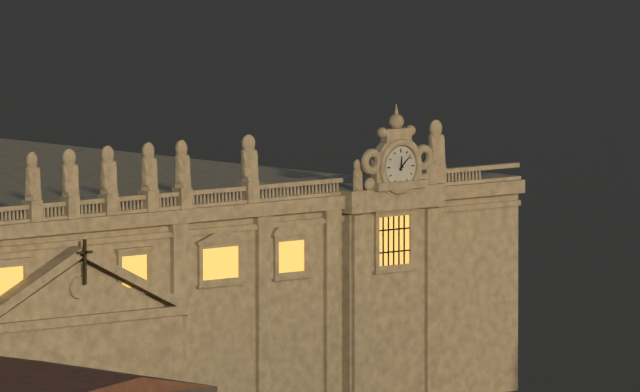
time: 12:08
